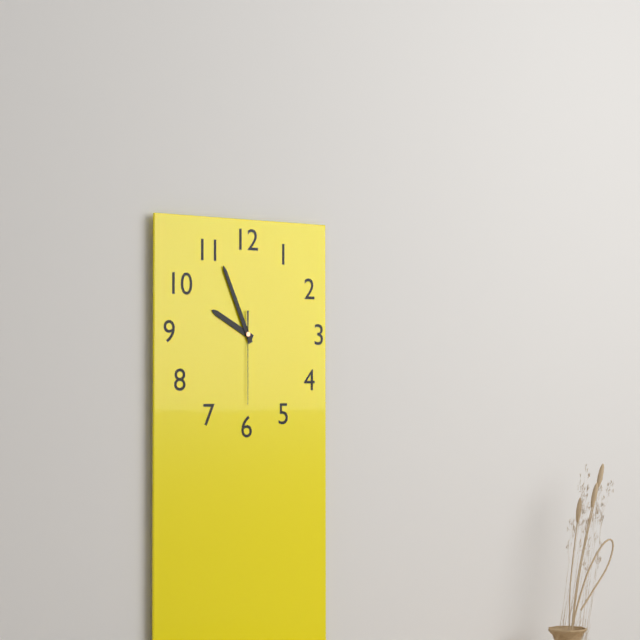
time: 9:56:30
